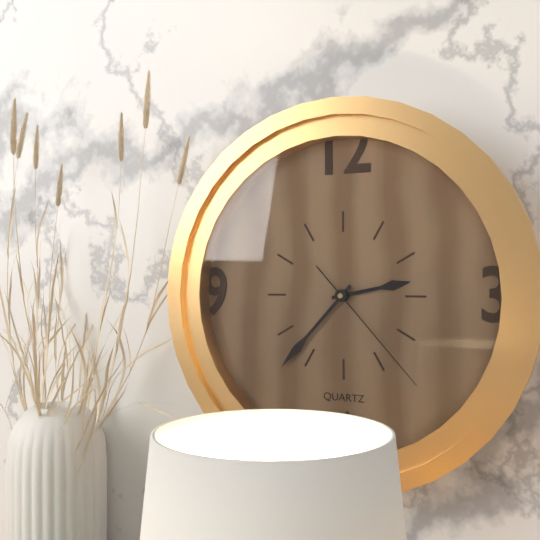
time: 2:37:23
